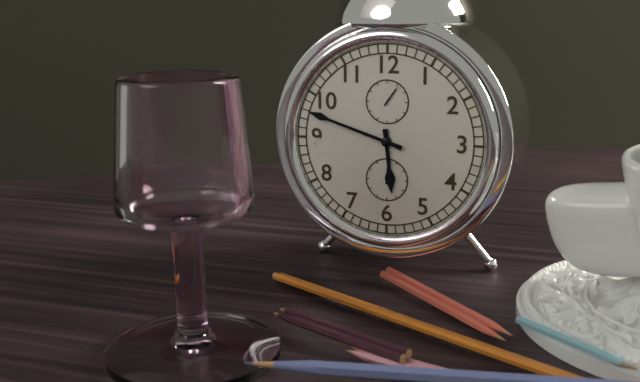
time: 5:48
